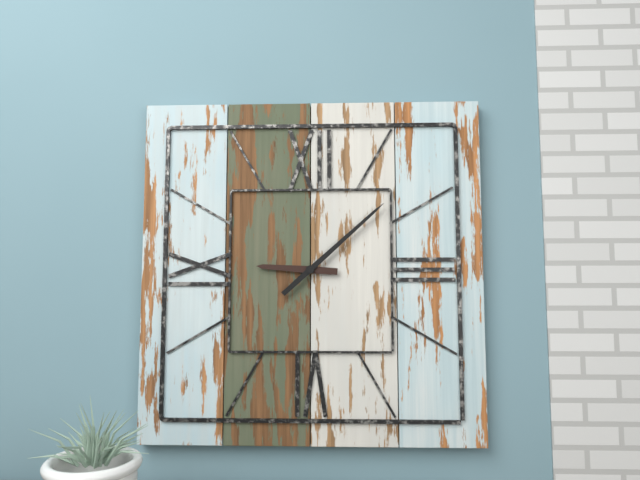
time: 9:08
